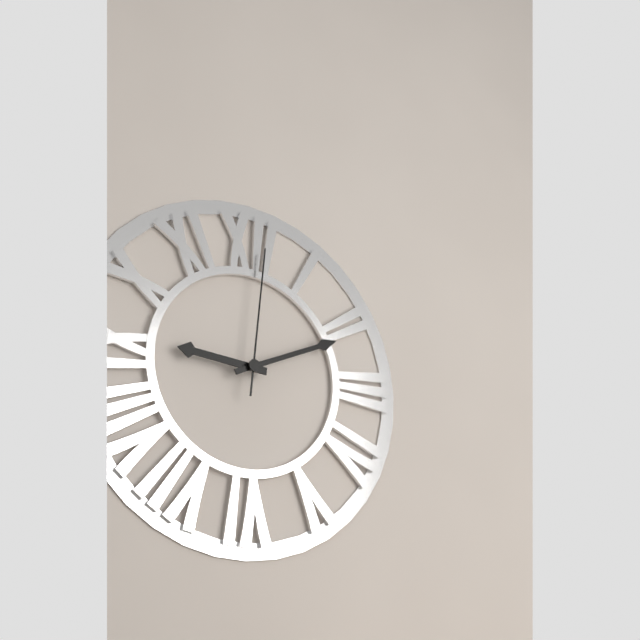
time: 9:11:01
